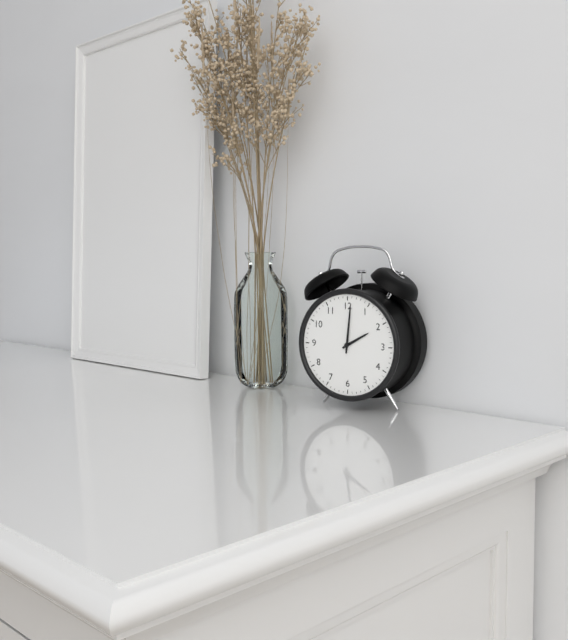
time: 2:01
